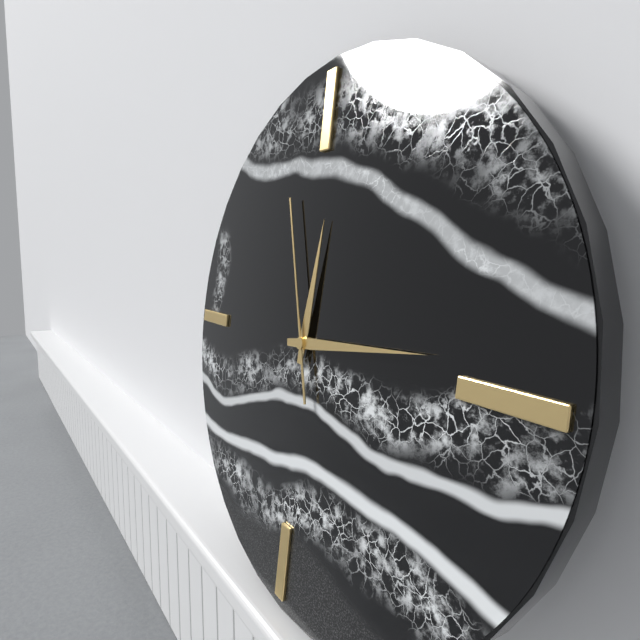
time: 12:14:57
